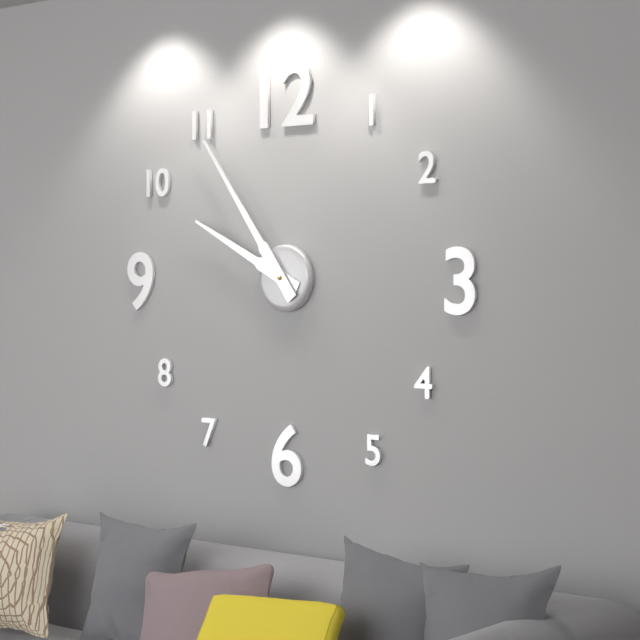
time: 9:54
